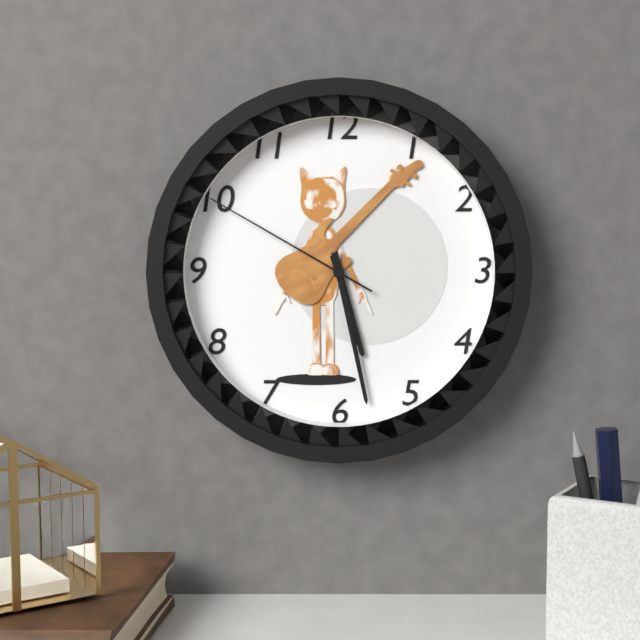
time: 5:28:50
